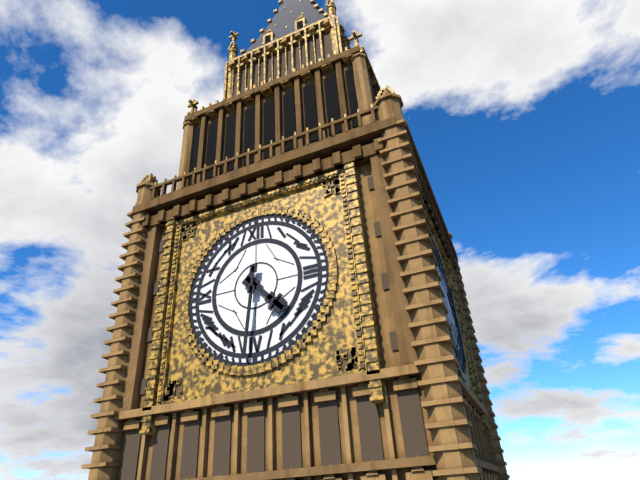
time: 4:31
